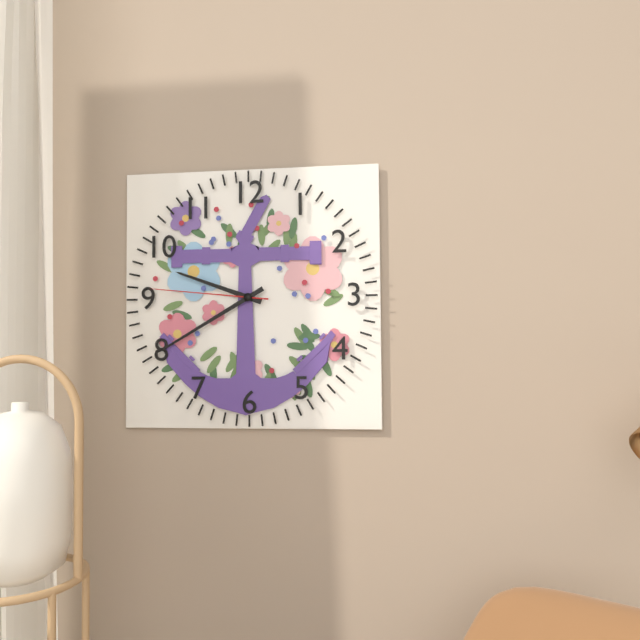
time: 9:40:46
